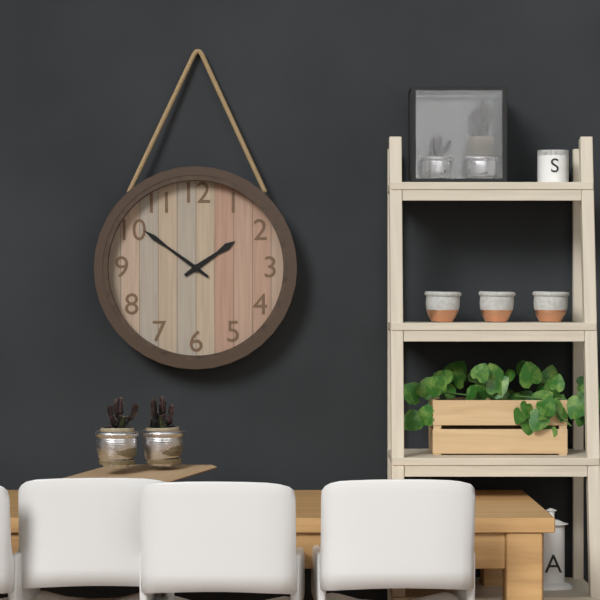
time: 1:51
